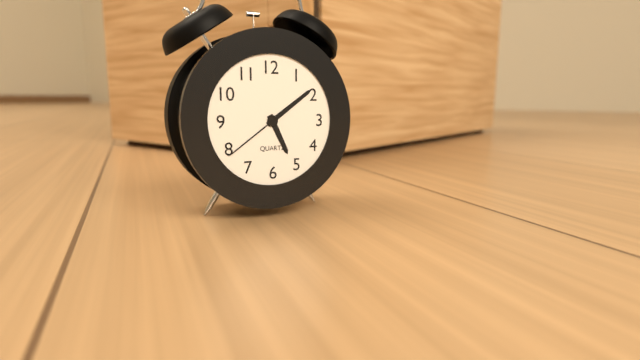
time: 5:09:39
